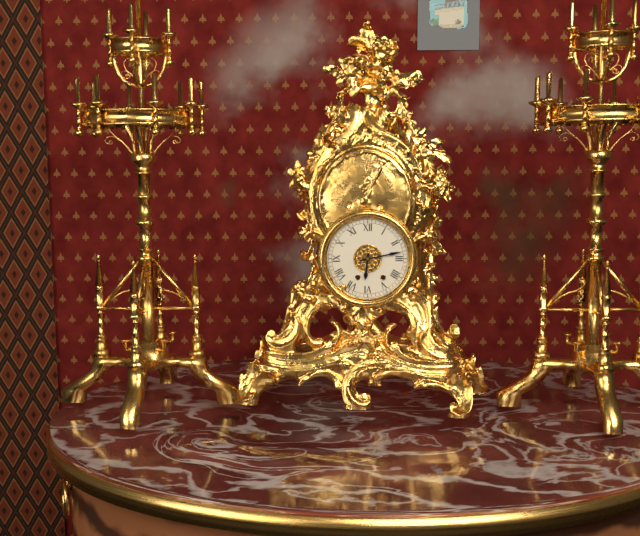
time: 6:13
